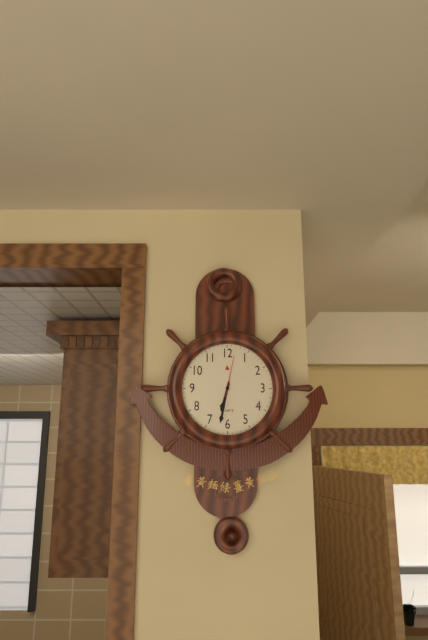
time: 6:32
